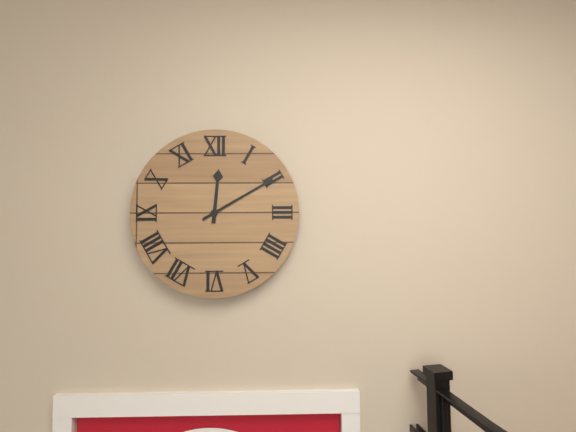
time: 12:10
